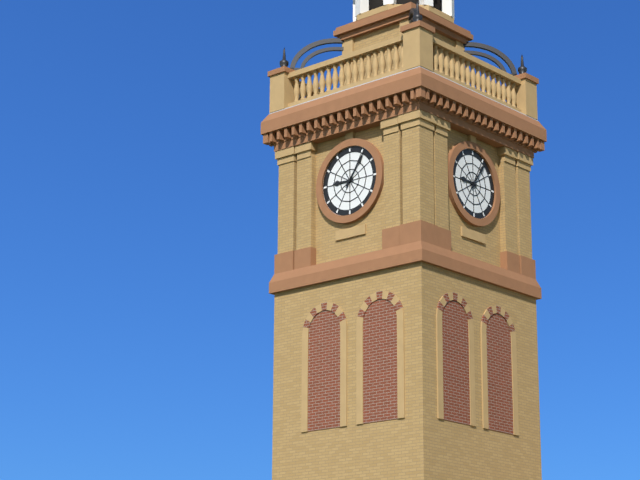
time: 9:06
